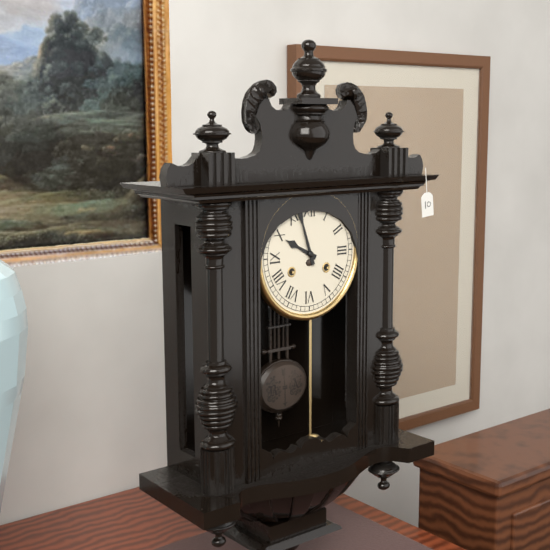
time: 9:57
